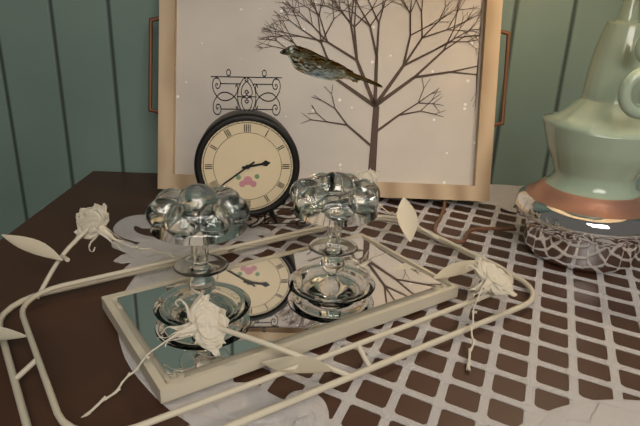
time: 2:39
